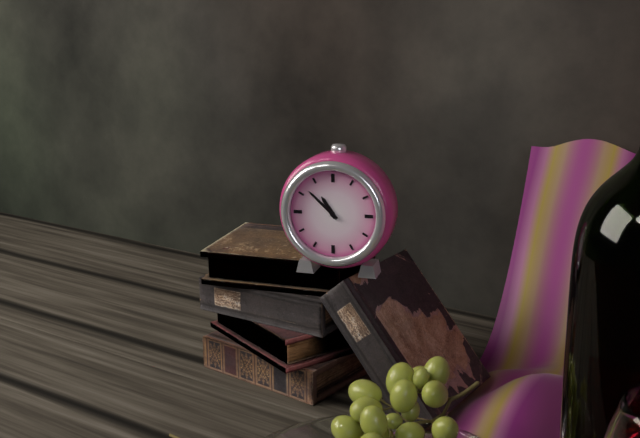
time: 10:52
